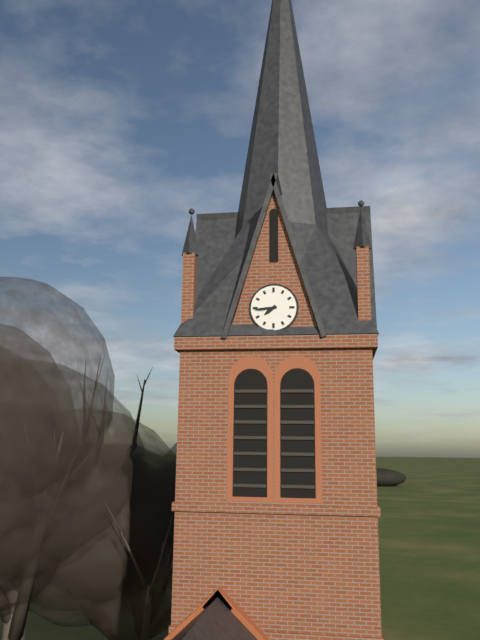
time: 7:44
